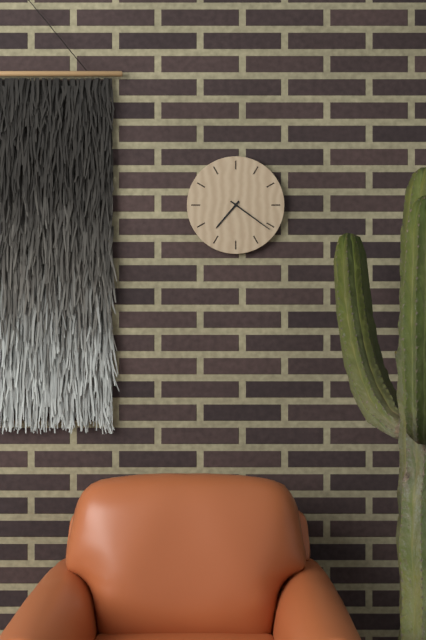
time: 7:21
